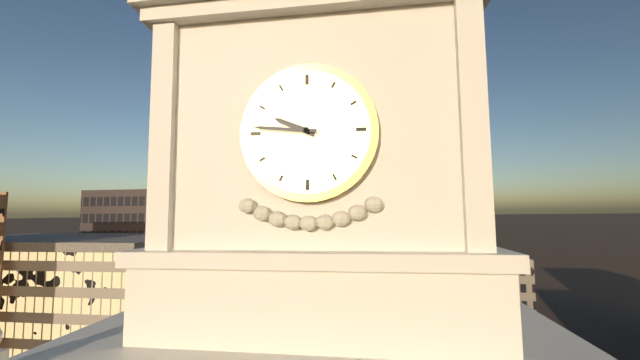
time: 9:46
